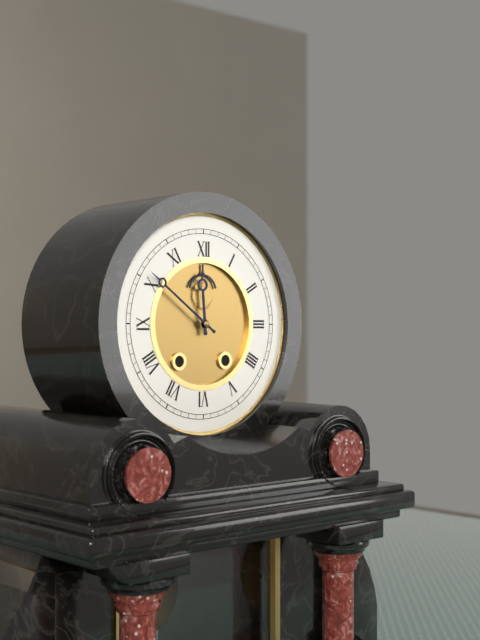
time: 11:51
